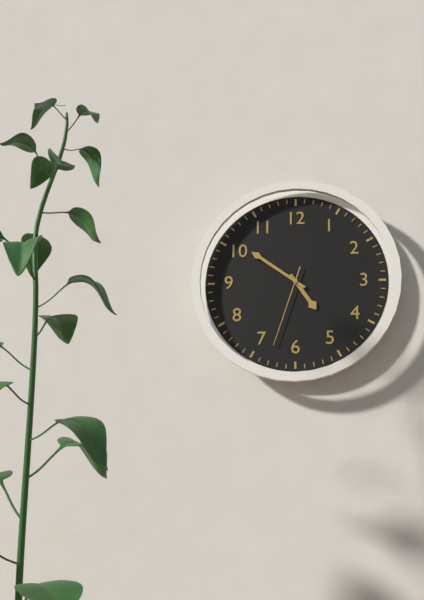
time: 4:51:33
